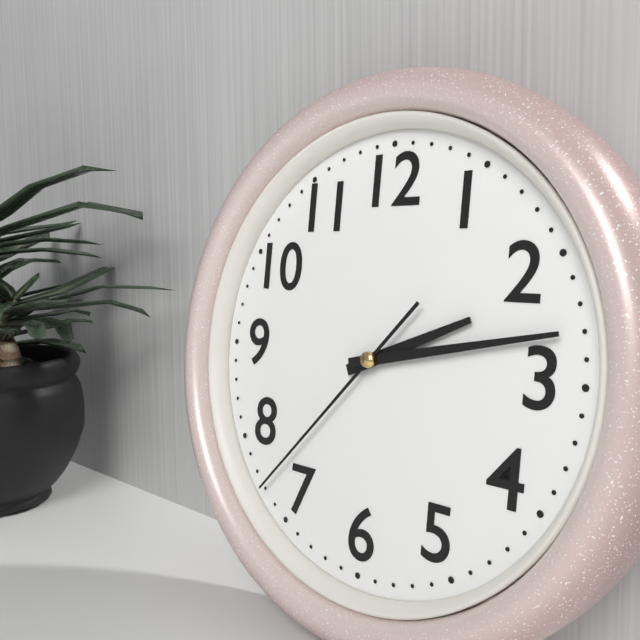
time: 2:13:37
